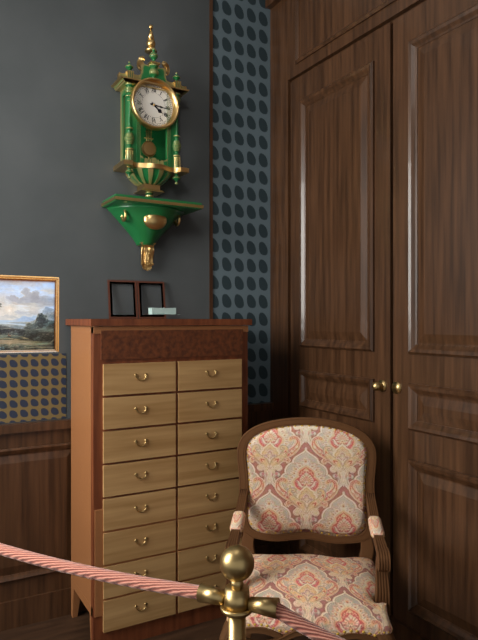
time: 4:16
